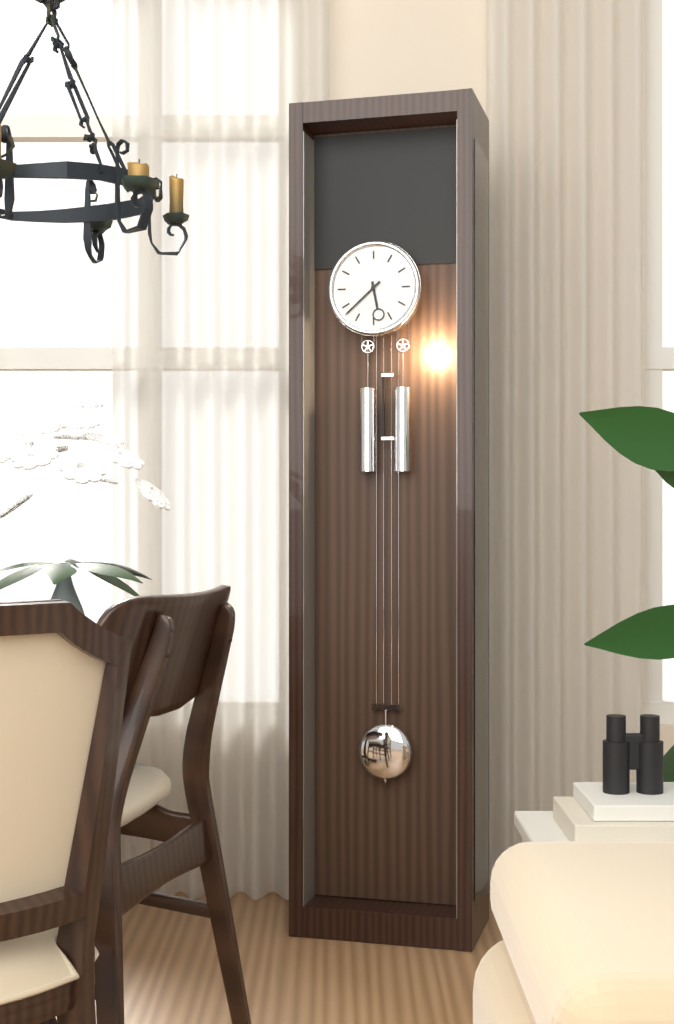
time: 5:38
